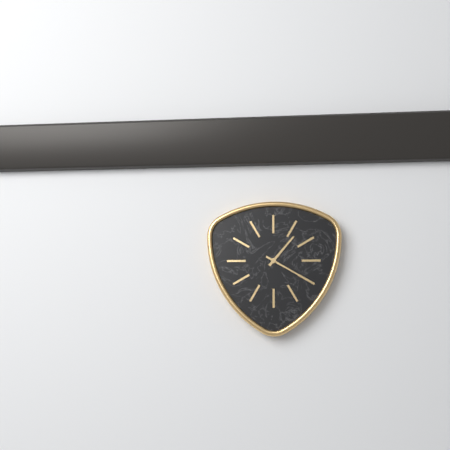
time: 1:20
